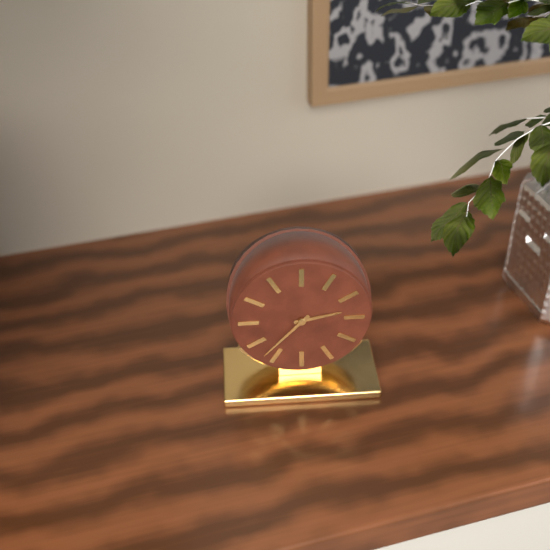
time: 2:37
